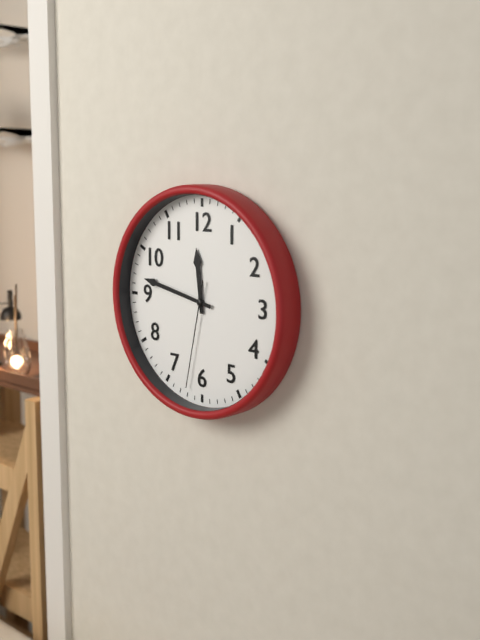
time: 11:47:32
